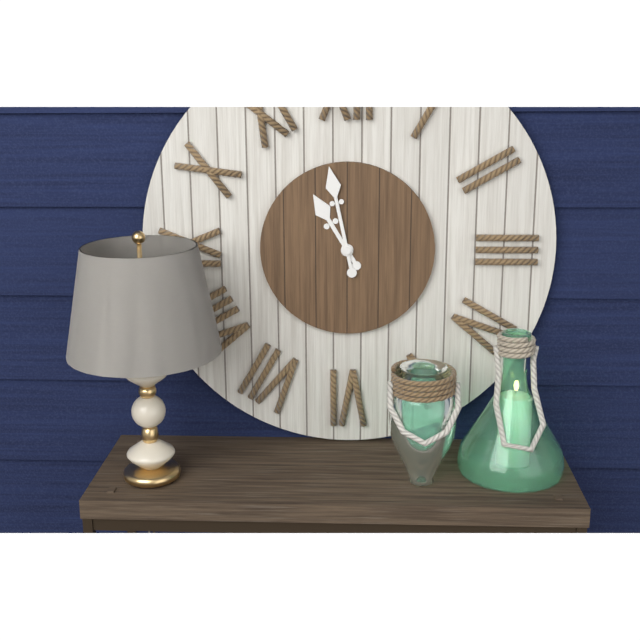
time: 10:58
